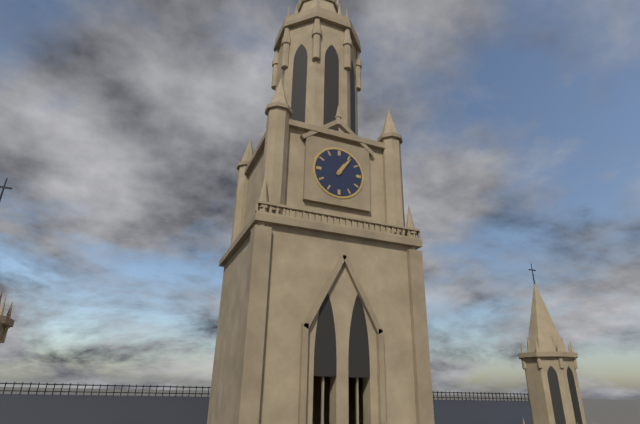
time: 1:06
